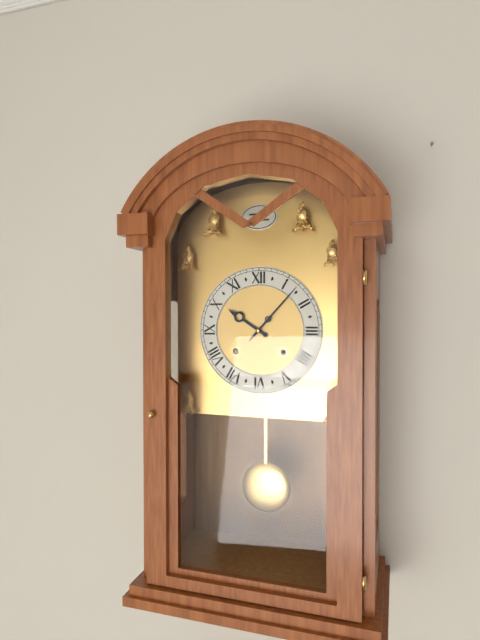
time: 10:07
